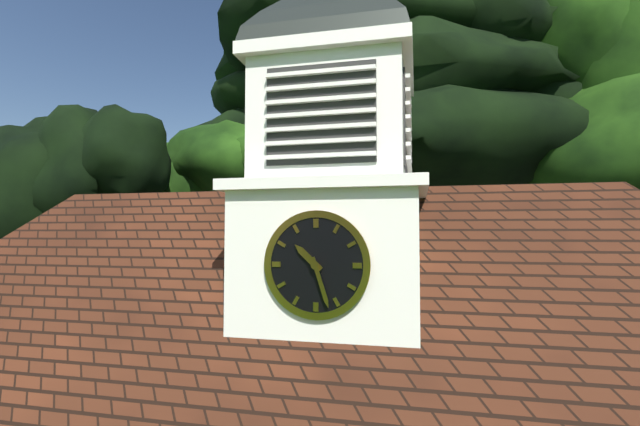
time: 10:27
